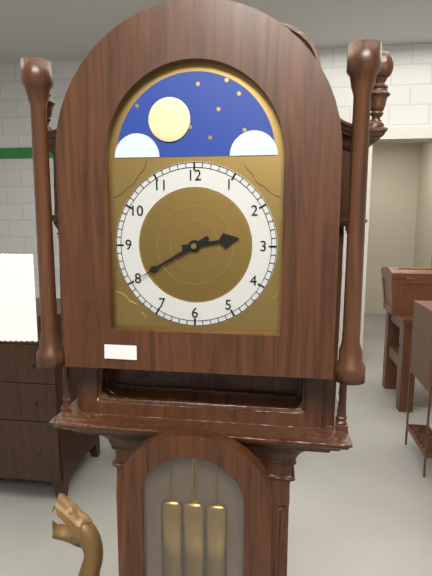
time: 2:40
